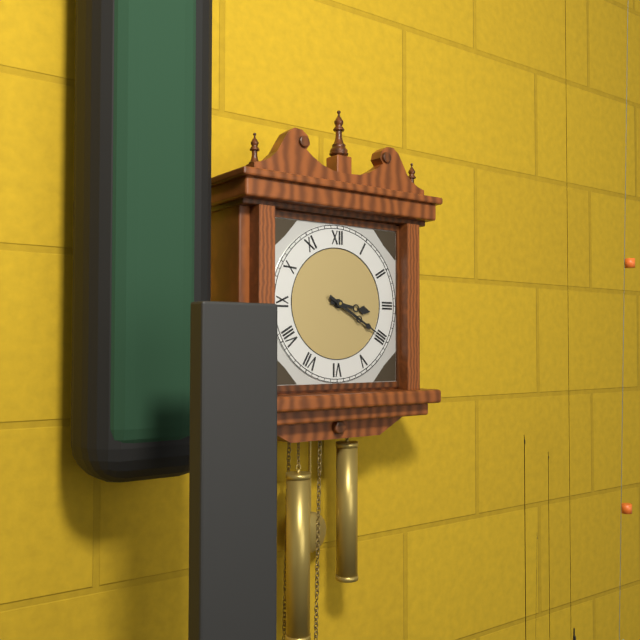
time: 3:20
